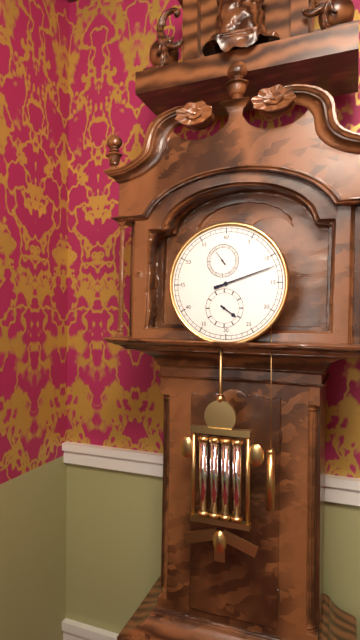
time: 4:12
